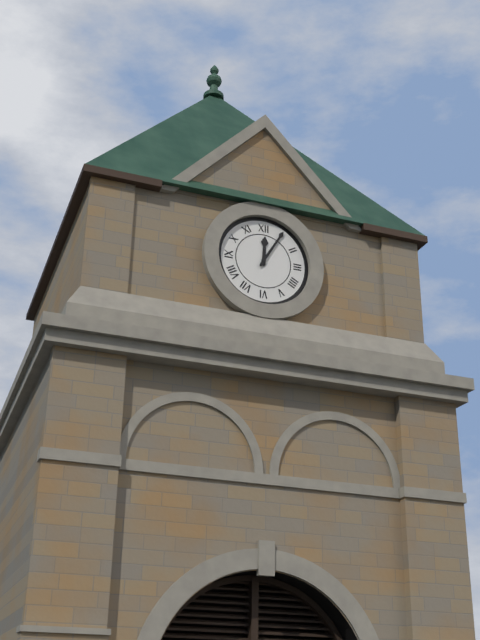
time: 12:05
